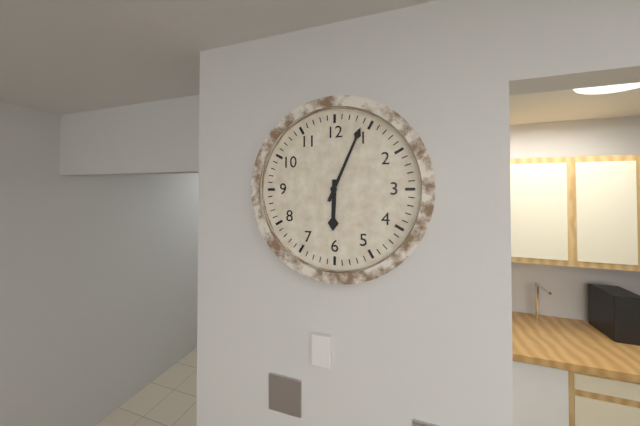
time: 6:04
